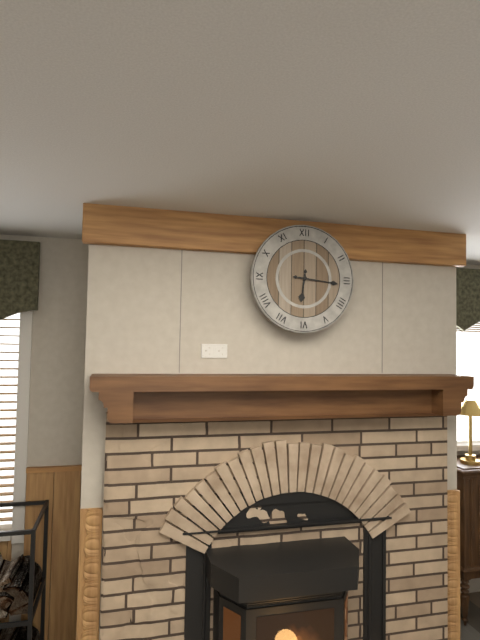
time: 6:16
